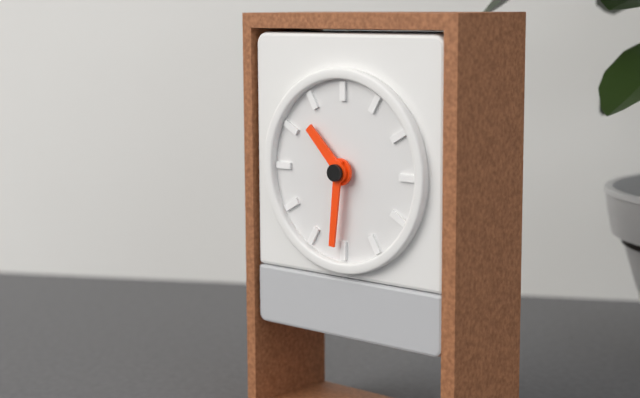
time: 10:31
